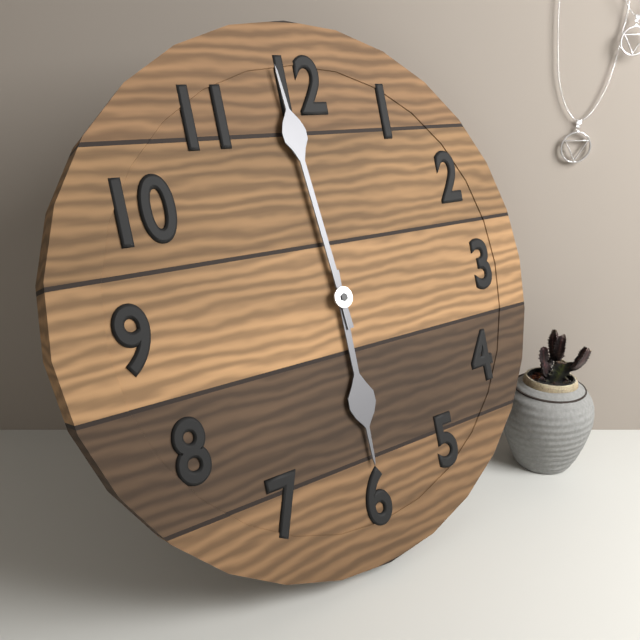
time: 5:59
